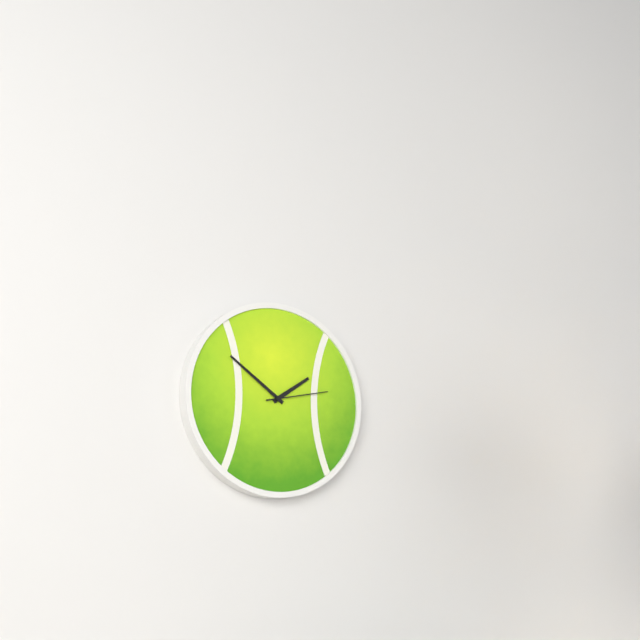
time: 1:51:13
